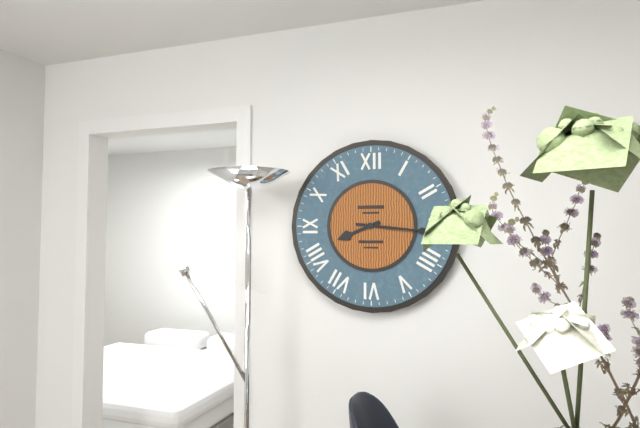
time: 8:16
